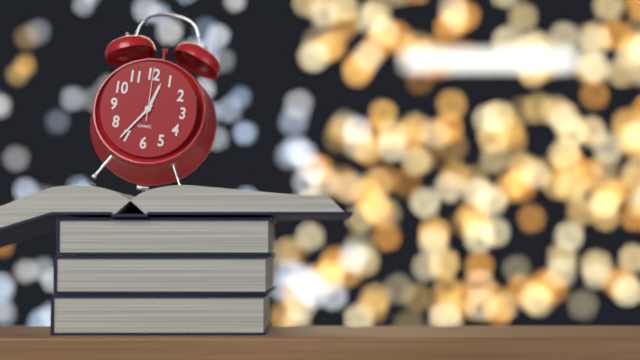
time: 12:36:00
